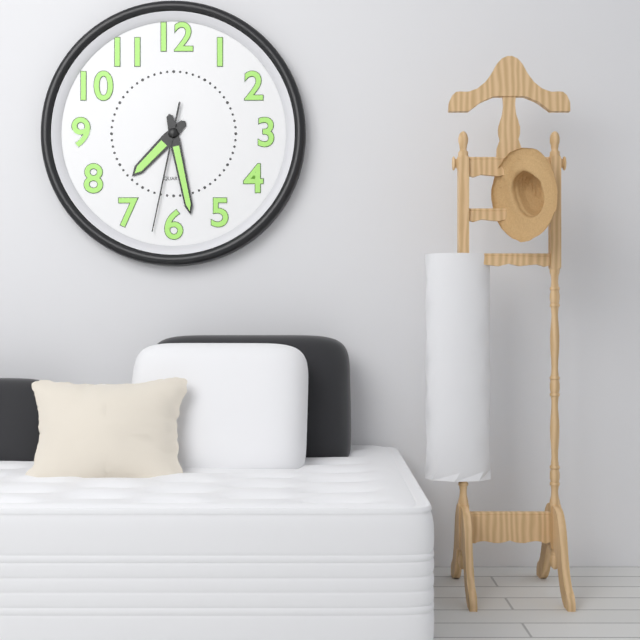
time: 7:28:32
